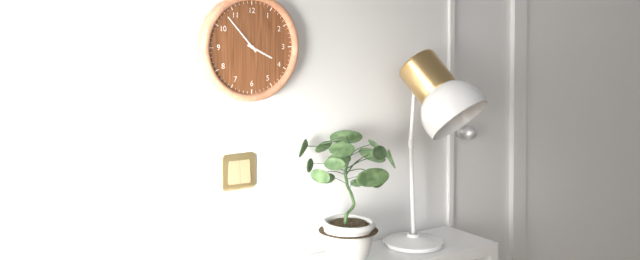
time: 3:53
